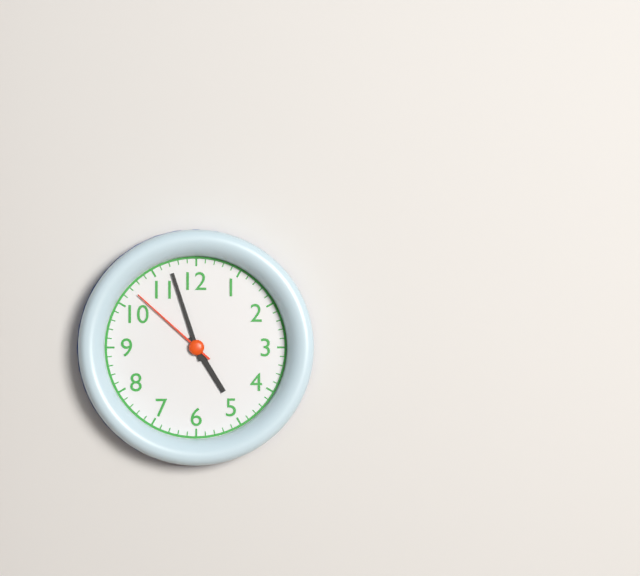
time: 4:57:52
